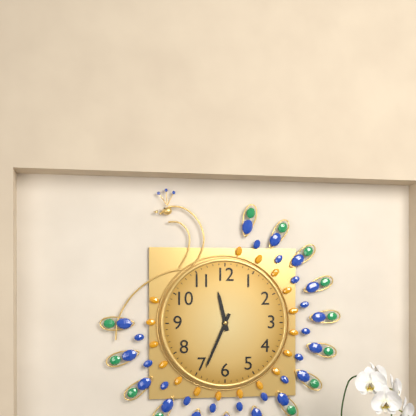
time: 11:34
